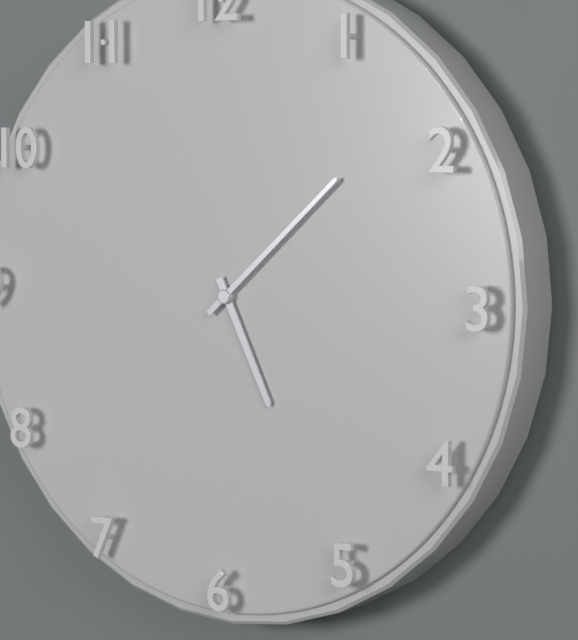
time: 5:08
